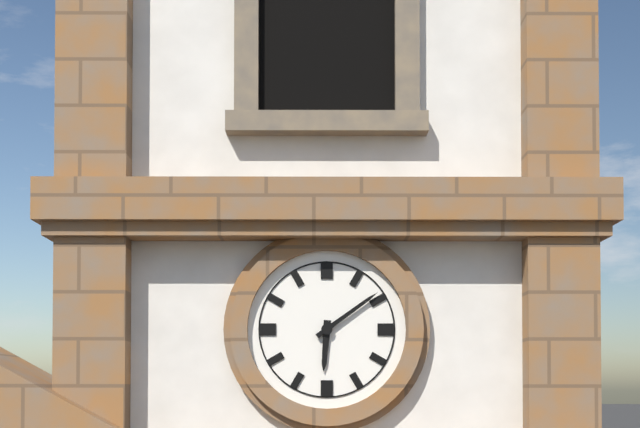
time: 6:09
